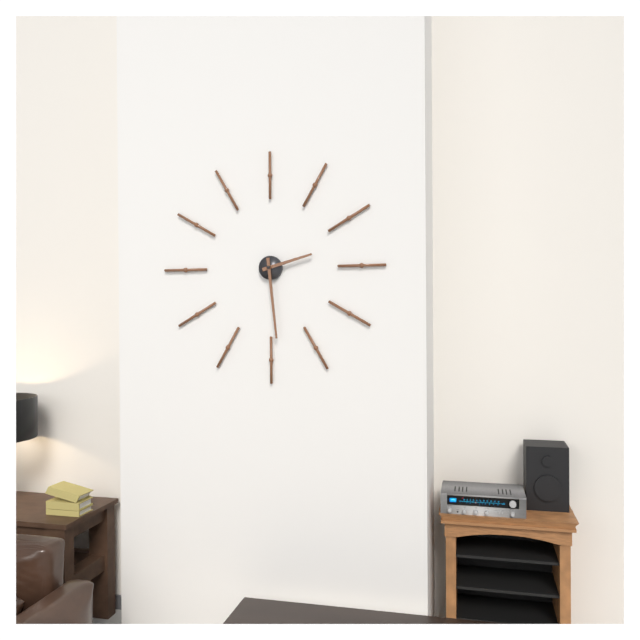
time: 2:29
